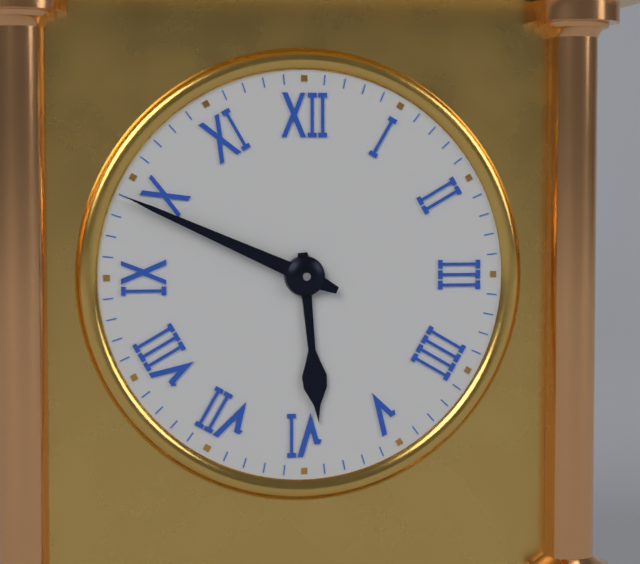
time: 5:49
